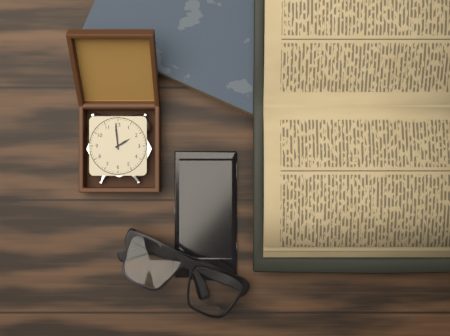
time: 1:59
